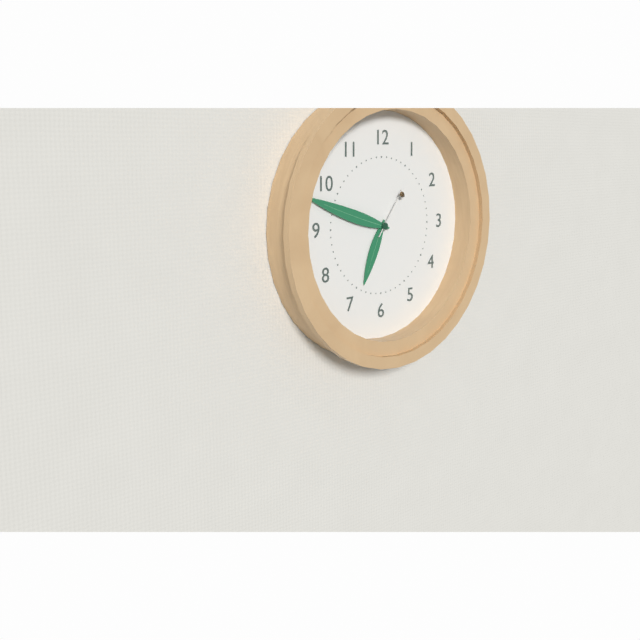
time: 6:48:06
